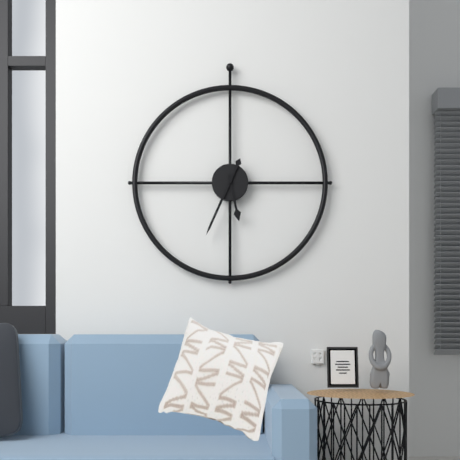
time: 5:34
